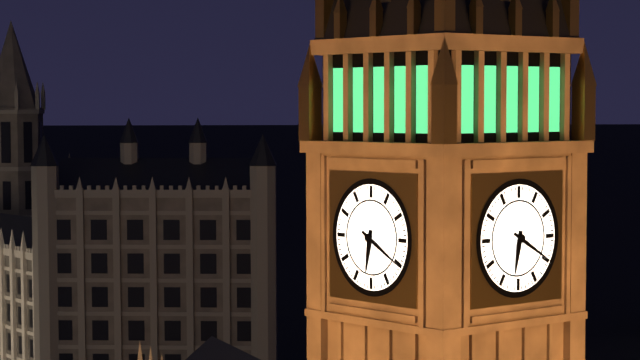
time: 6:20
